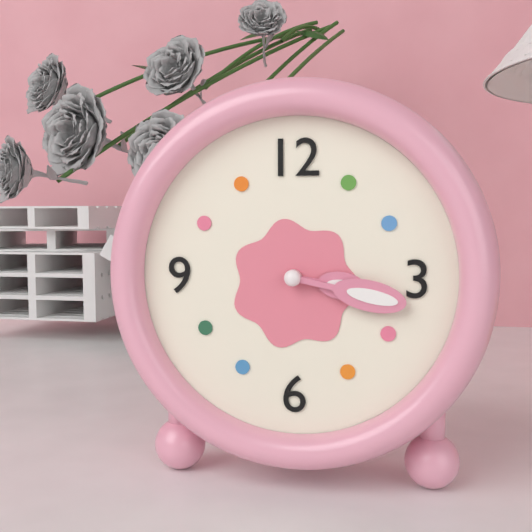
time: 3:17
